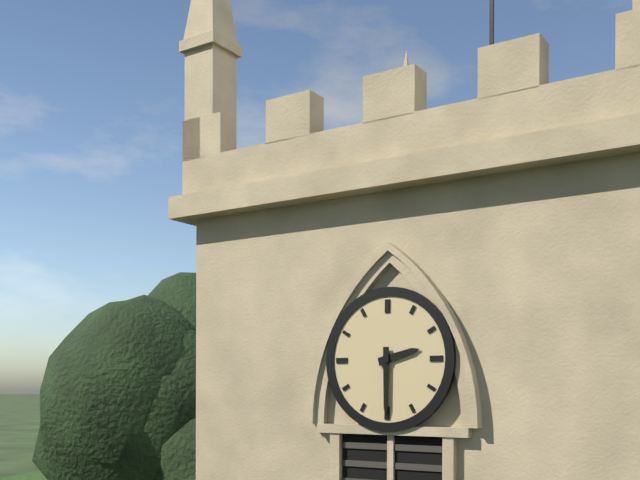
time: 2:30
